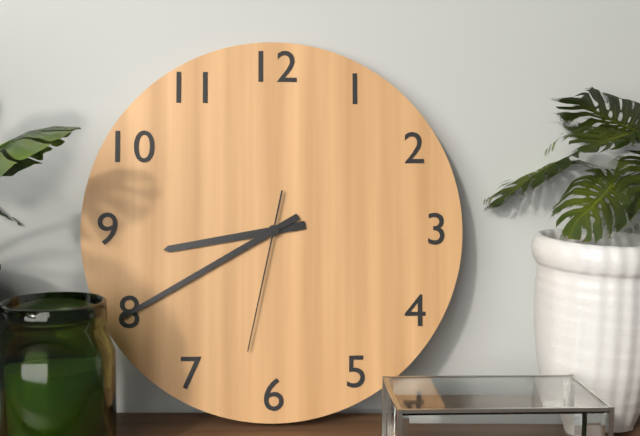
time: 8:40:32
